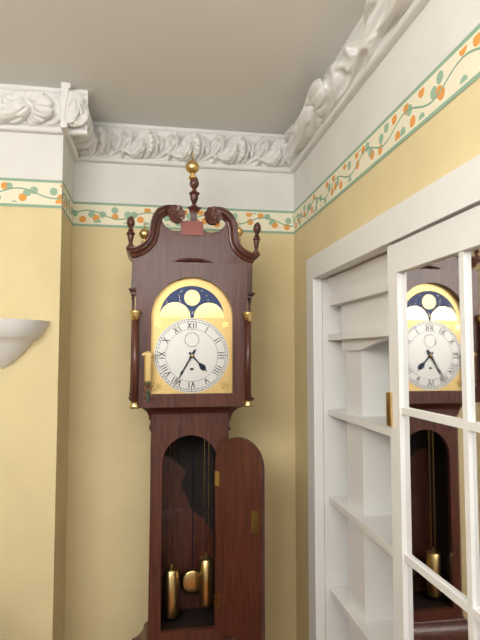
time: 4:35
